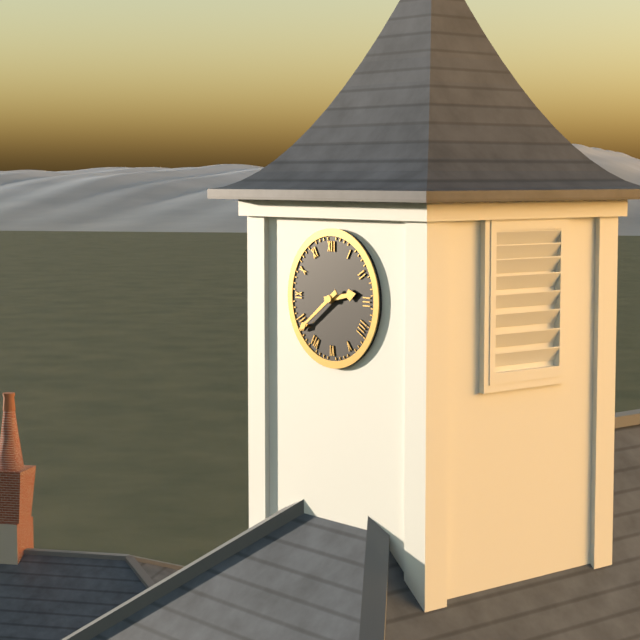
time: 2:39
